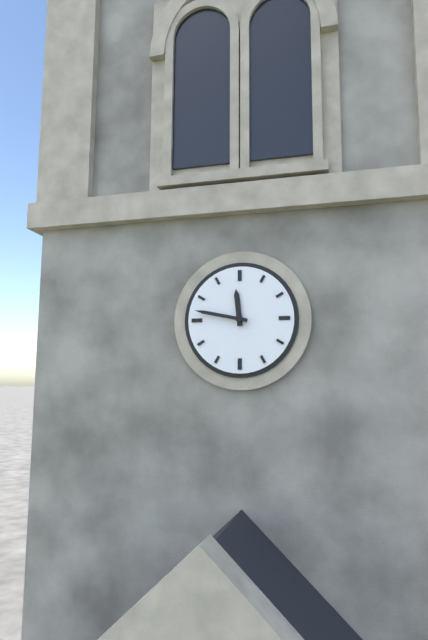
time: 11:47
